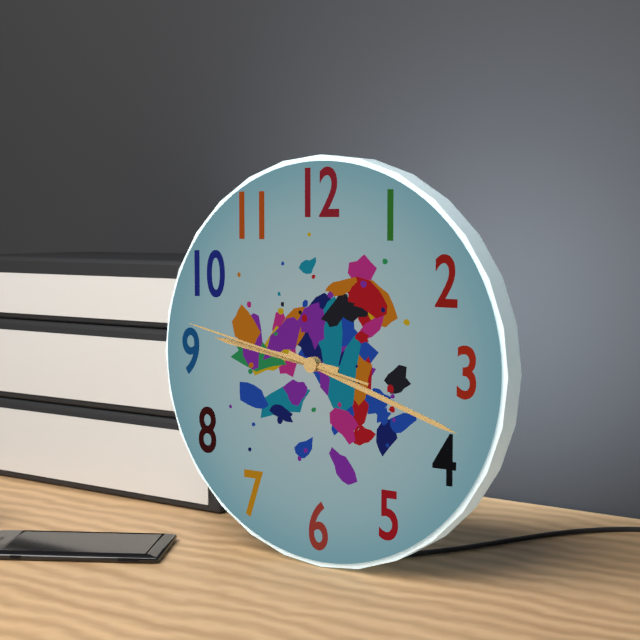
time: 9:18:47
